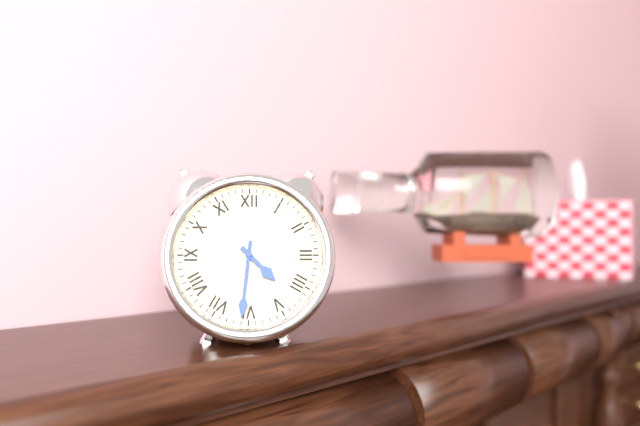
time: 4:31
